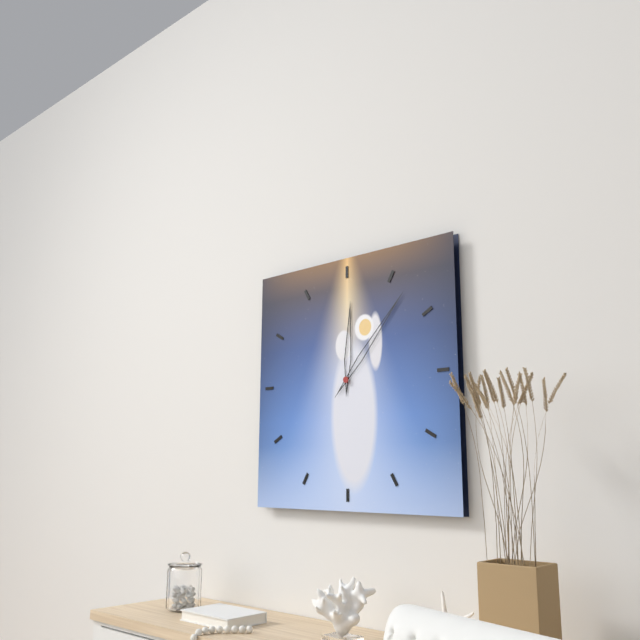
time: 12:07
